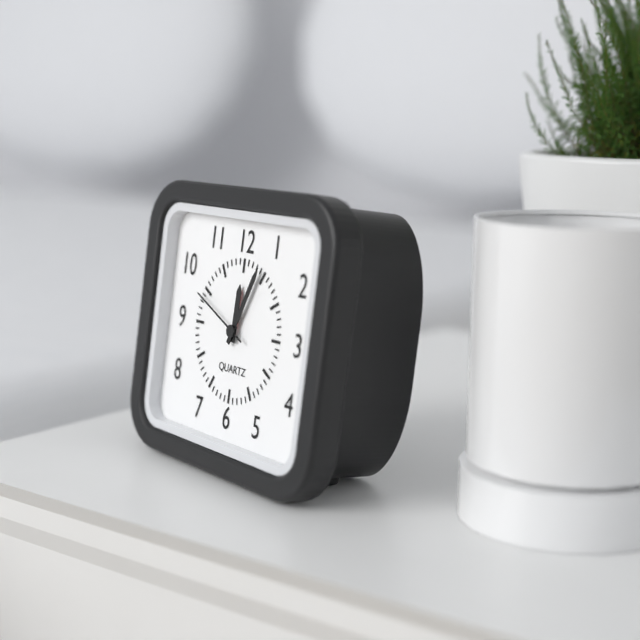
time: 12:04:49
